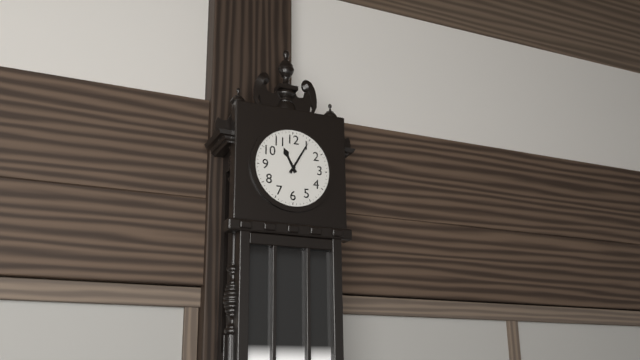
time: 11:05
